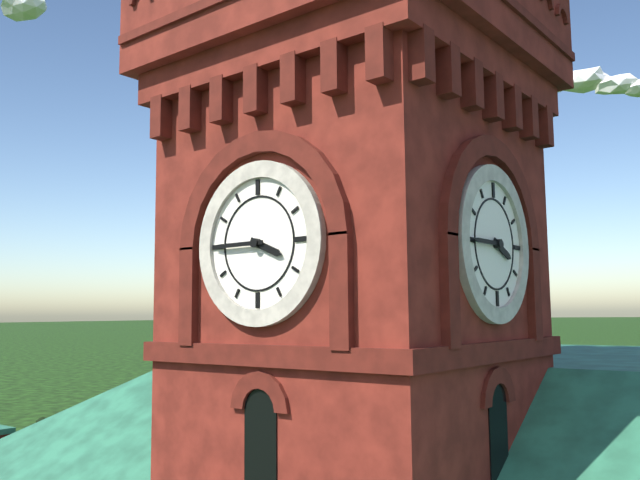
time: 3:45
